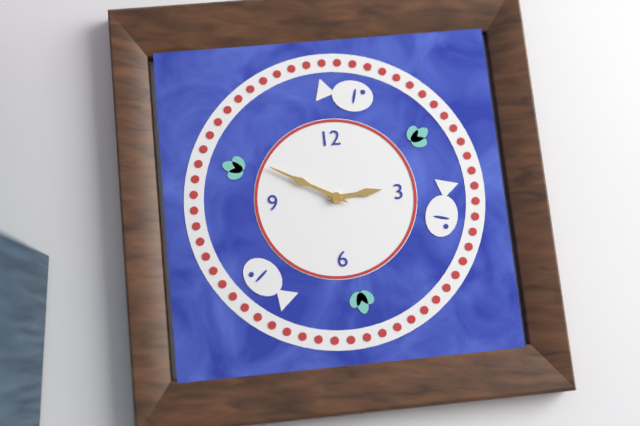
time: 2:50
